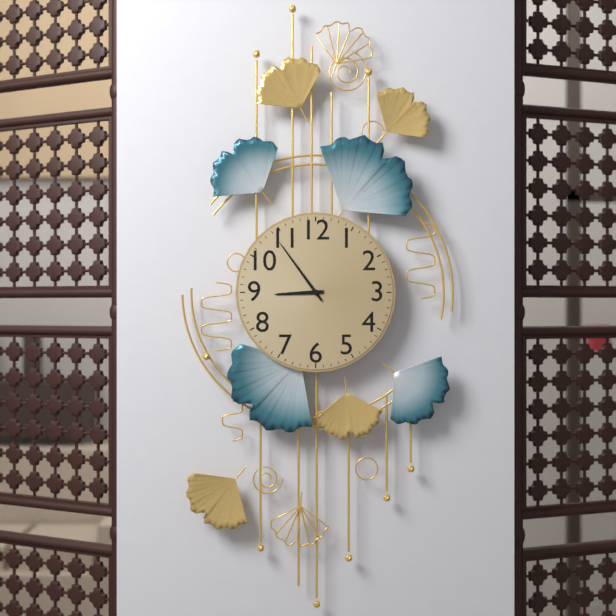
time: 8:54
